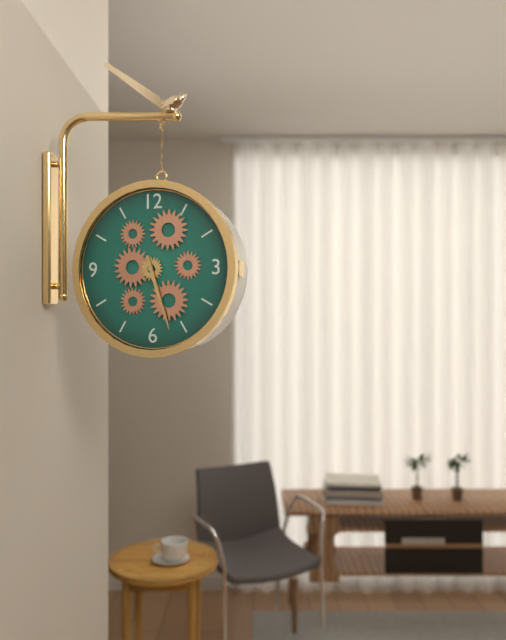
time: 5:27
